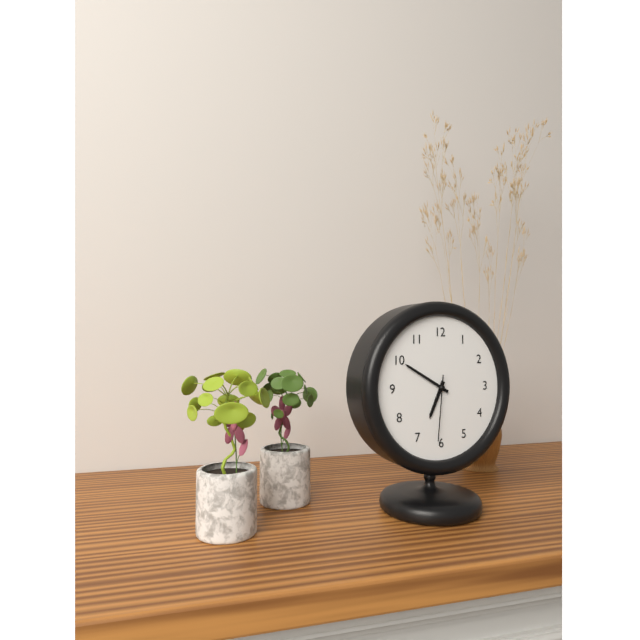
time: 6:50:31
